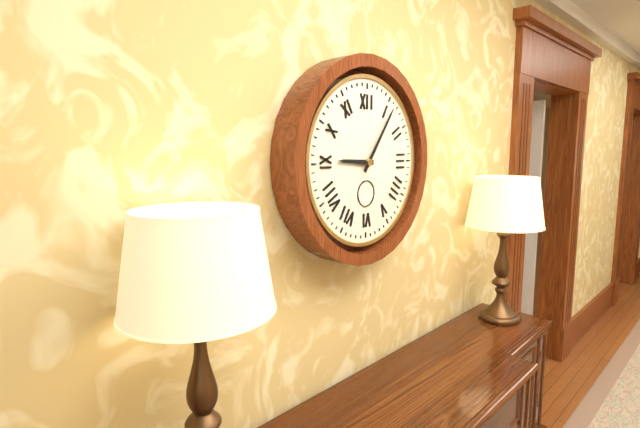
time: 9:06
